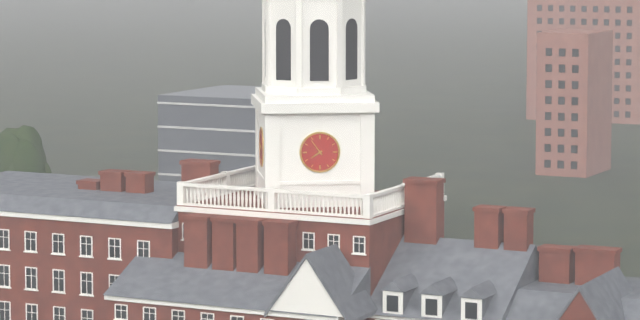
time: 7:54
